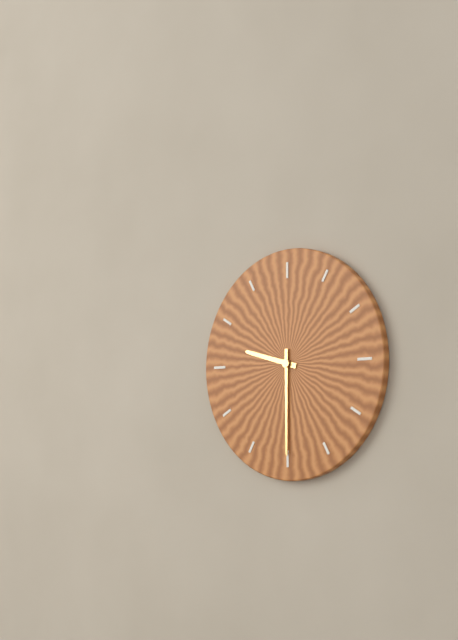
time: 9:30
